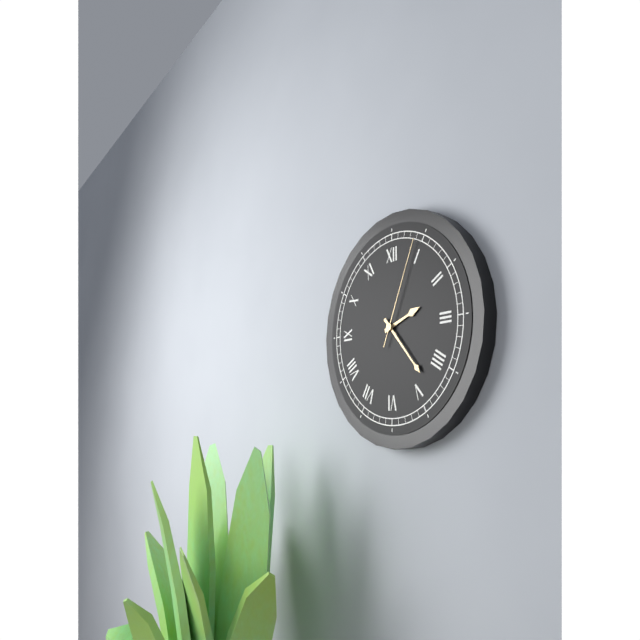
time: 2:23:04
